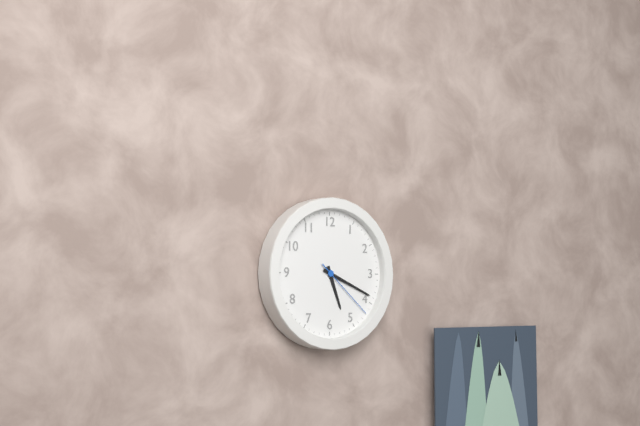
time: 5:19:22
